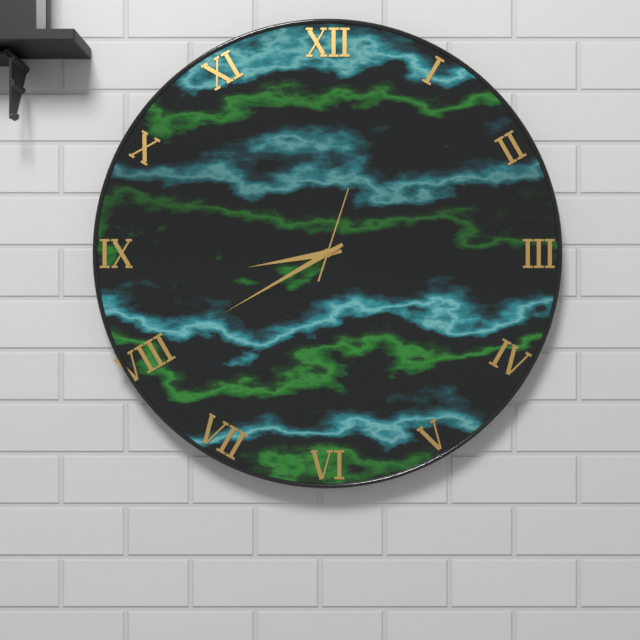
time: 8:40:03
